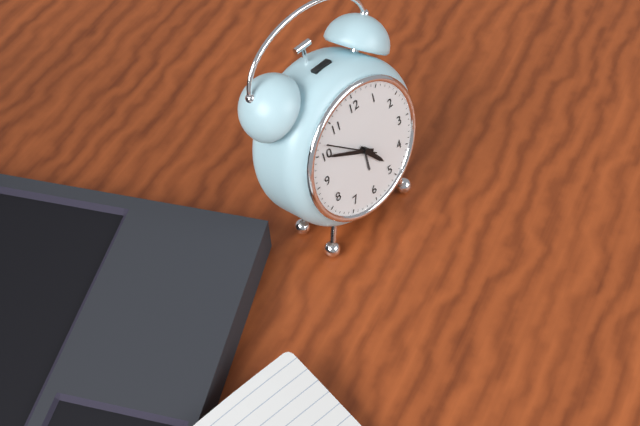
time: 4:50:52
